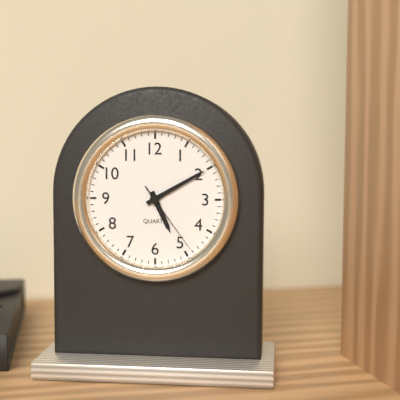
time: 5:10:24
